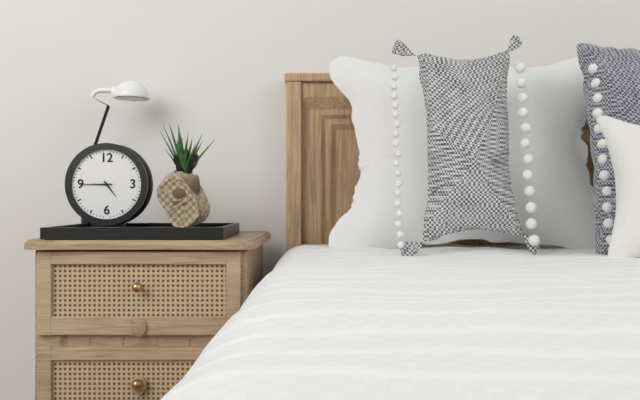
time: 4:45
